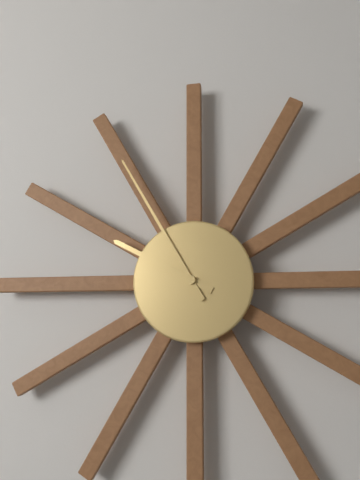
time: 9:55
